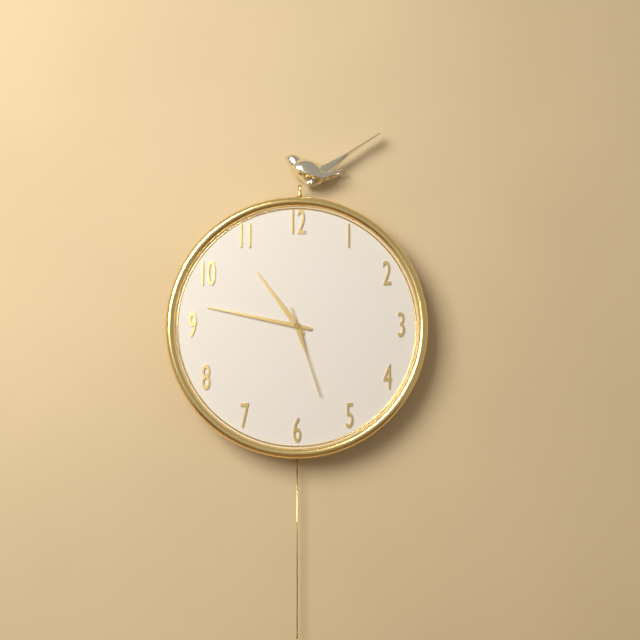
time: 10:47:27
